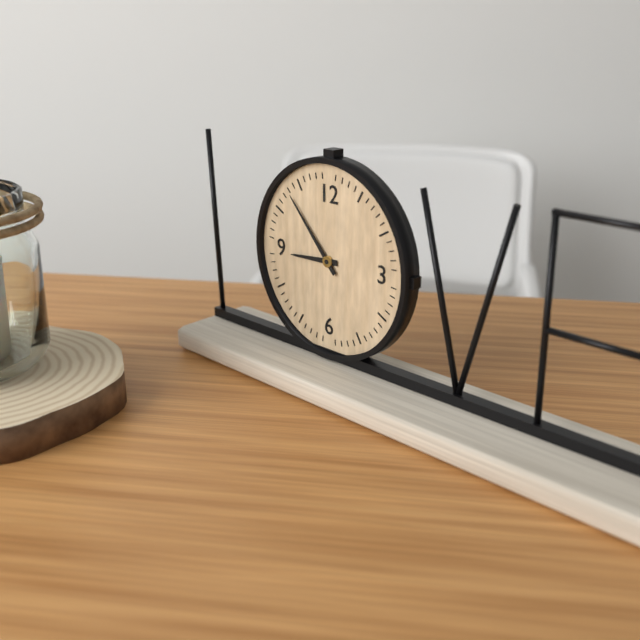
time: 8:53
